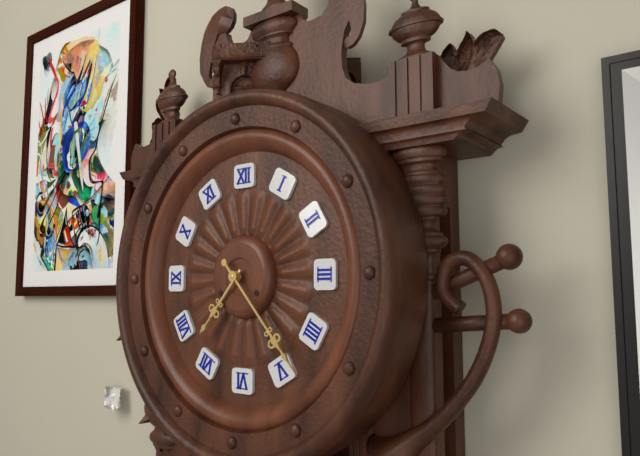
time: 7:23
